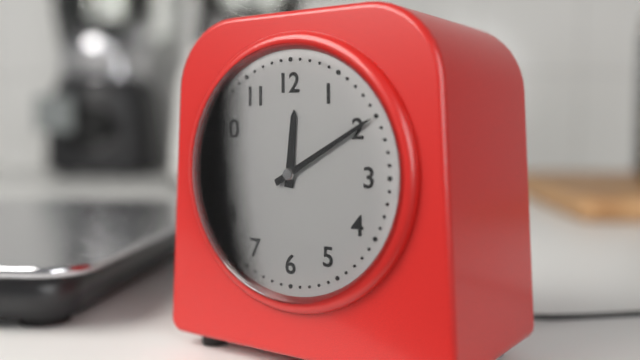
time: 12:10
